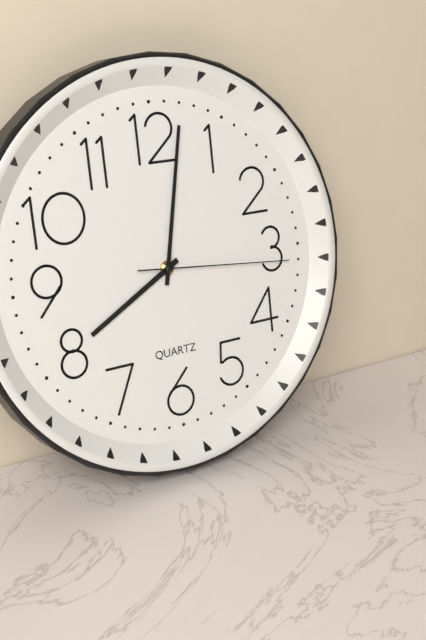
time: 8:02:16
